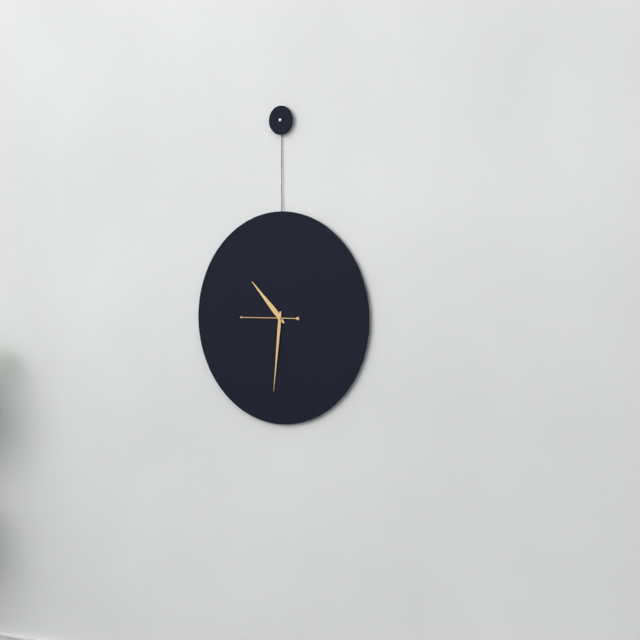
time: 10:31
